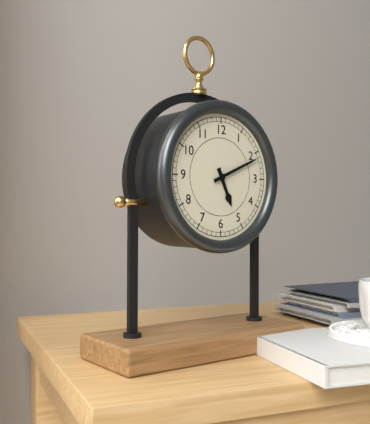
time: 5:11
